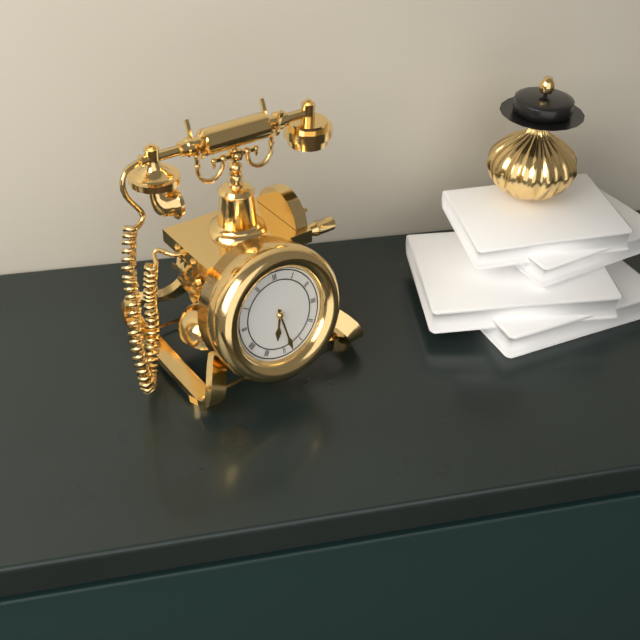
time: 6:28
